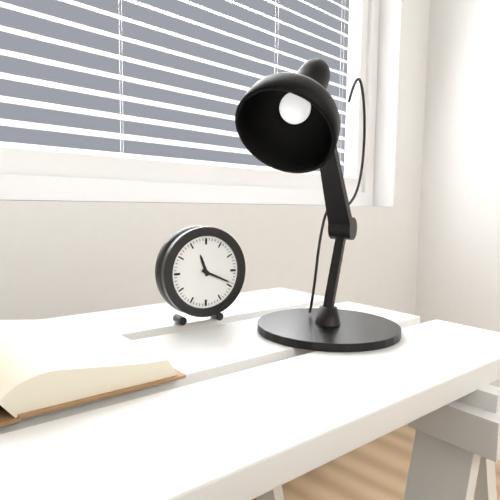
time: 11:19
